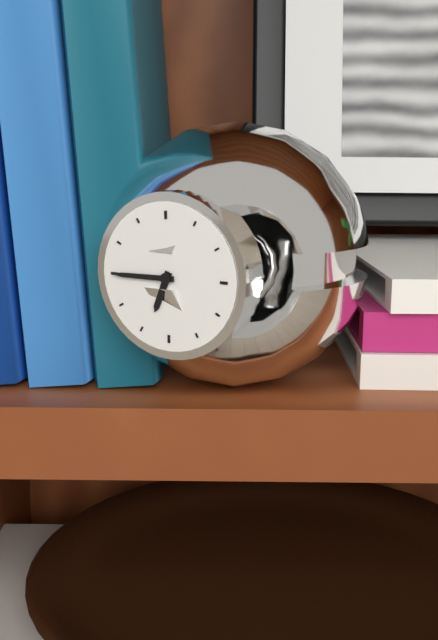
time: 6:45
